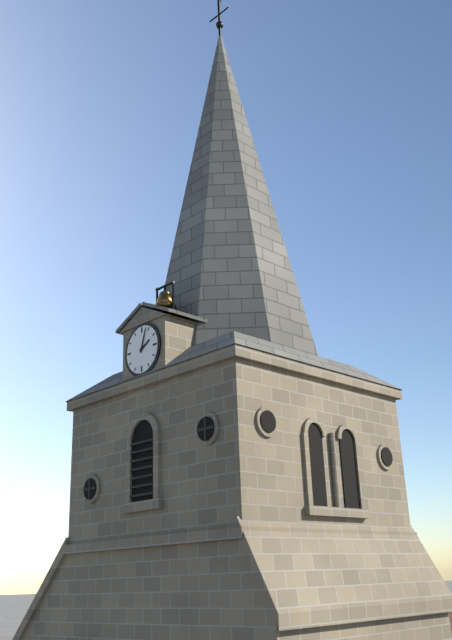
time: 2:03
